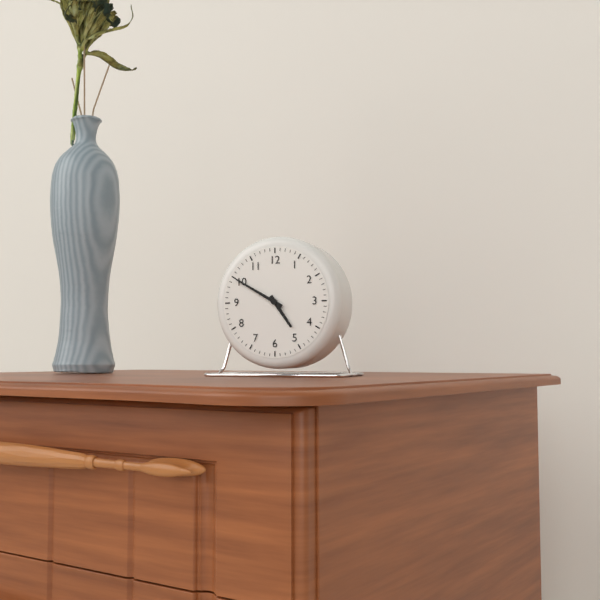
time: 4:50
